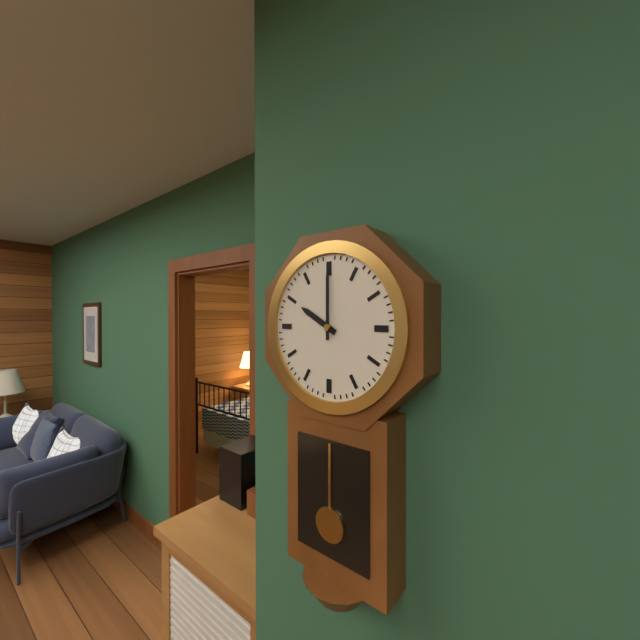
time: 10:00
